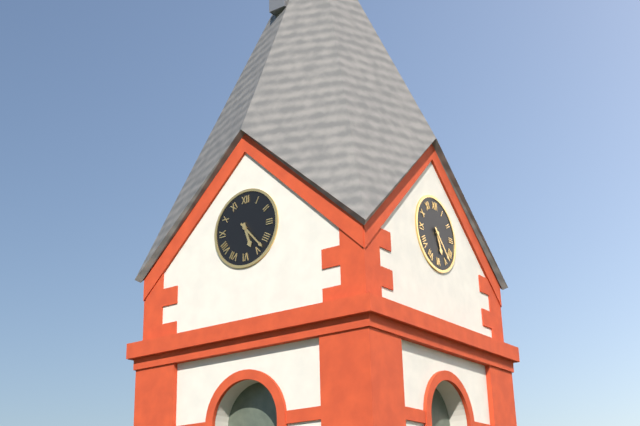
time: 5:23
